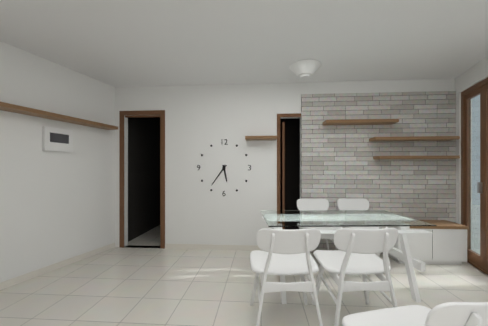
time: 5:36
